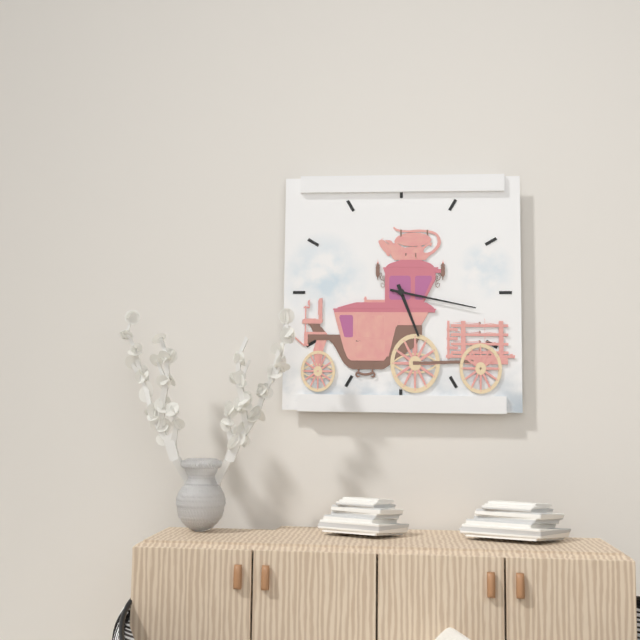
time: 5:17
